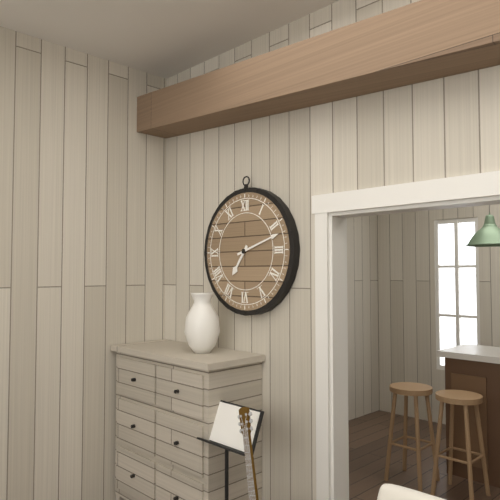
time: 7:12
